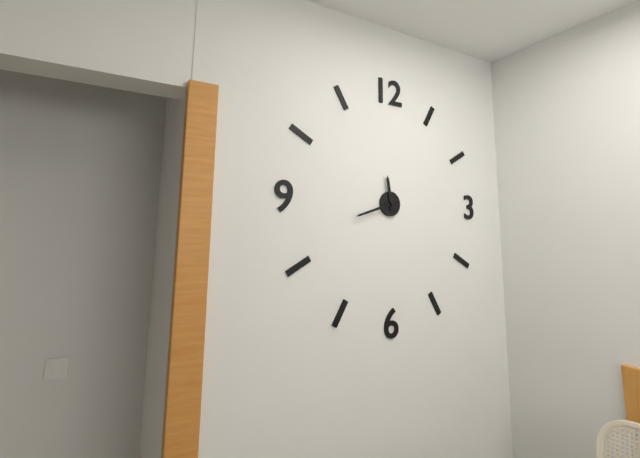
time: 11:42
